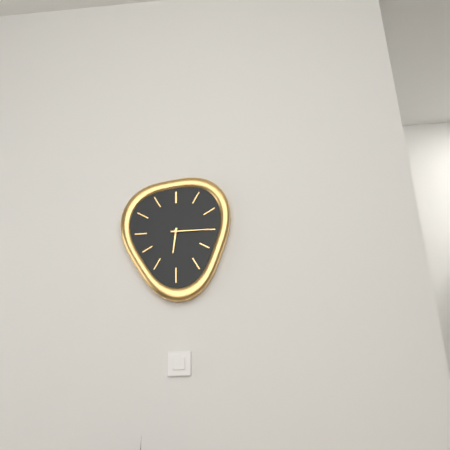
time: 6:15
